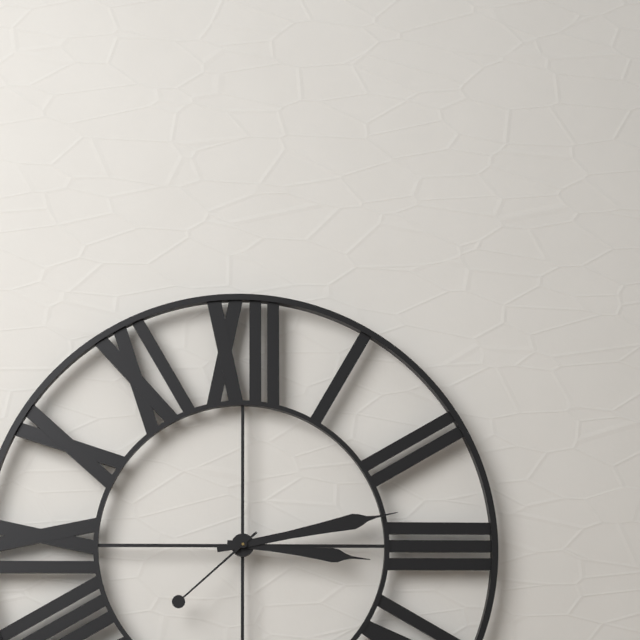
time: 3:13:38
